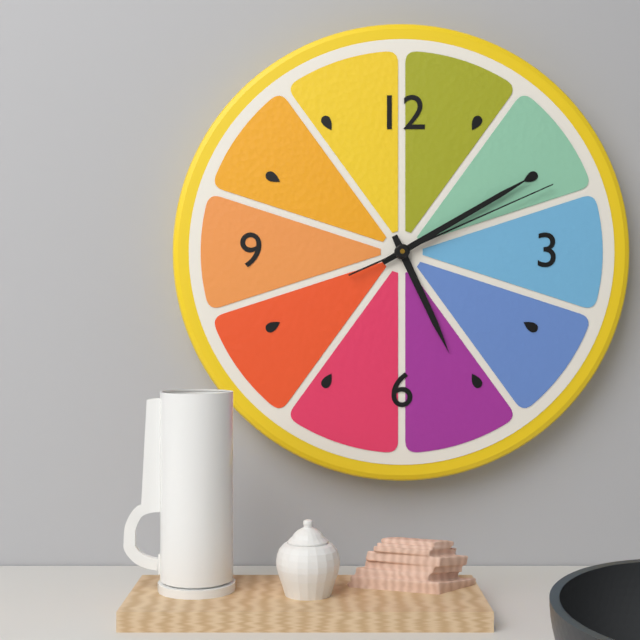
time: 5:10:11
